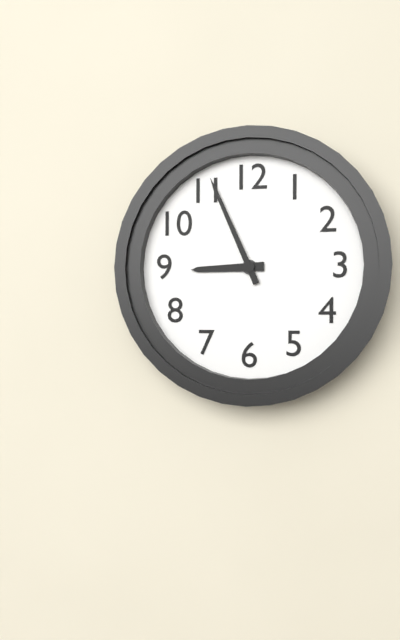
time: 8:56
